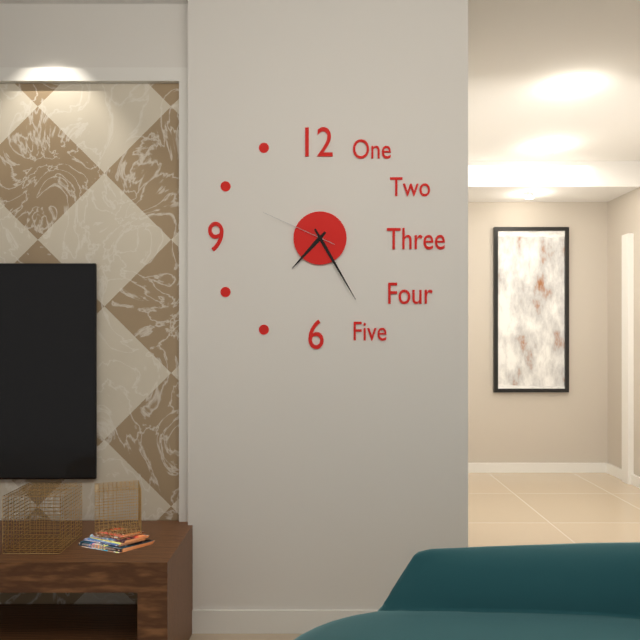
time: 7:25:49
